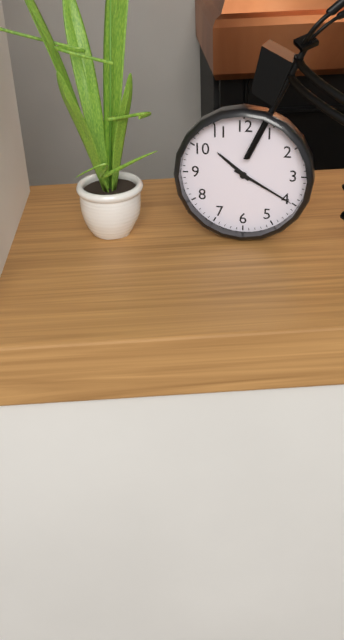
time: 10:20
